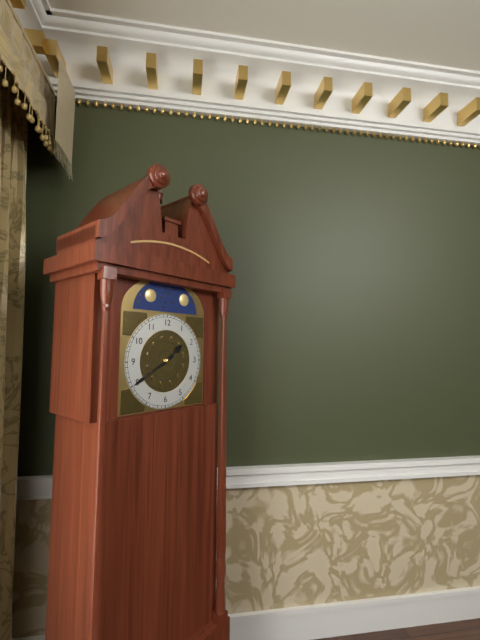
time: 1:40
